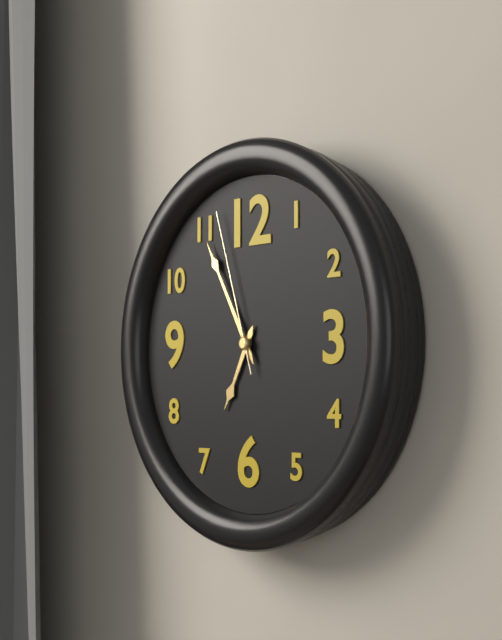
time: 6:55:57
